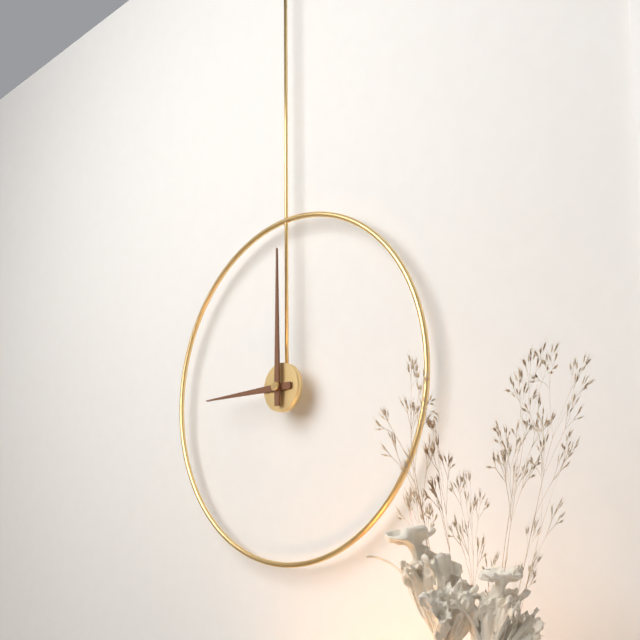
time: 9:00
